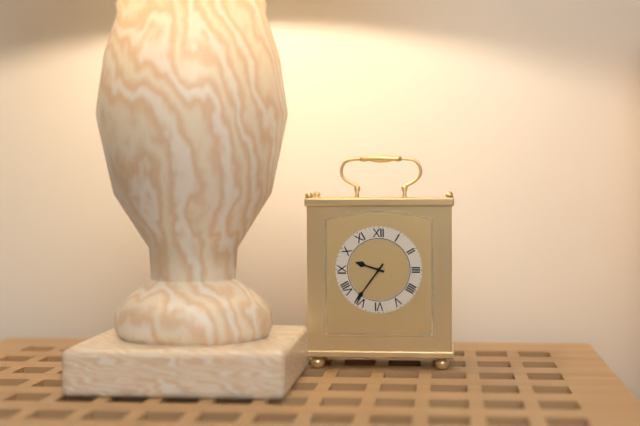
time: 9:36
